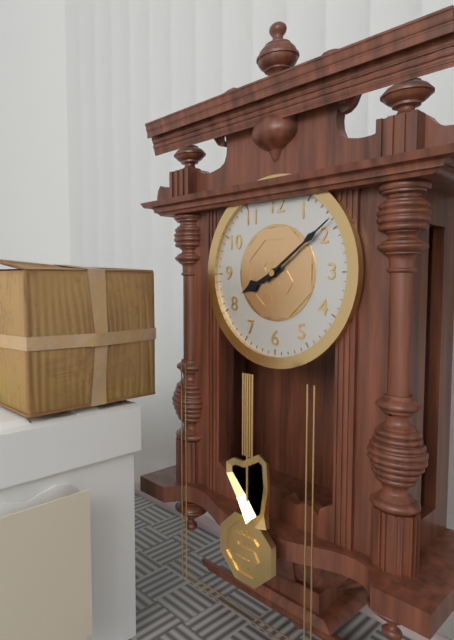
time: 8:09
